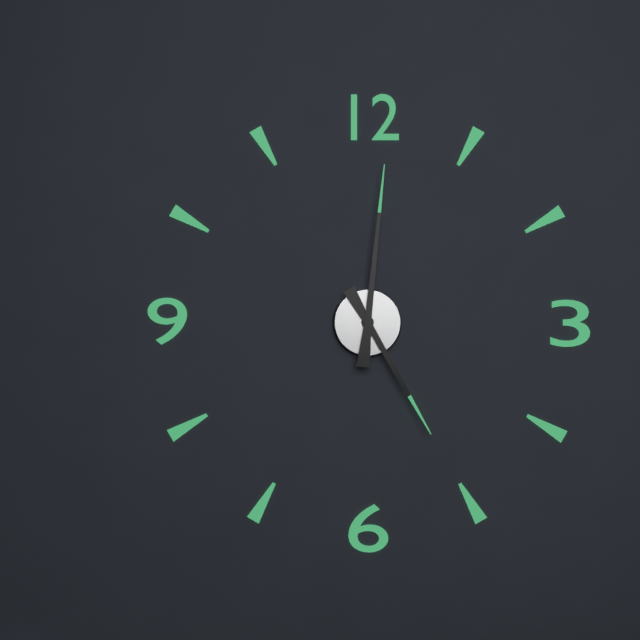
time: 5:01
